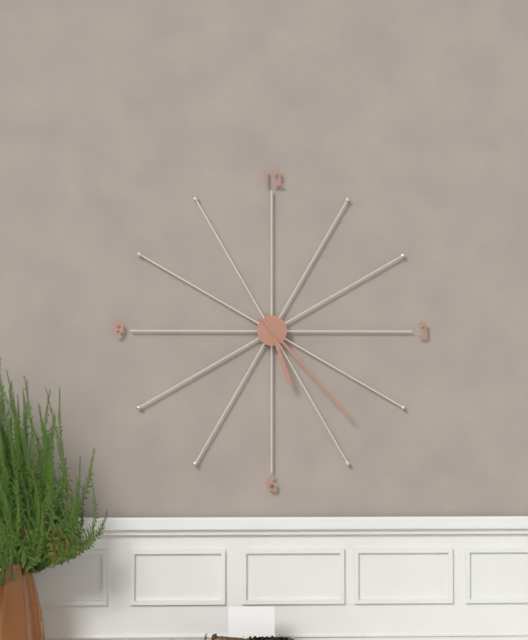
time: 5:23
